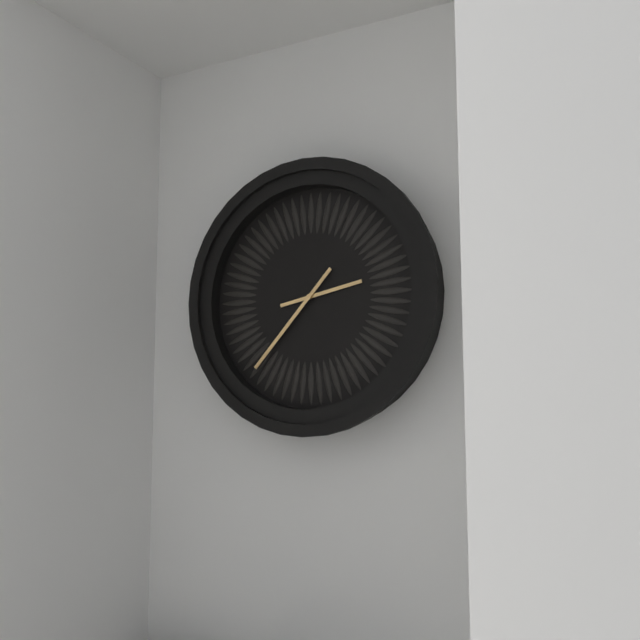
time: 2:37
